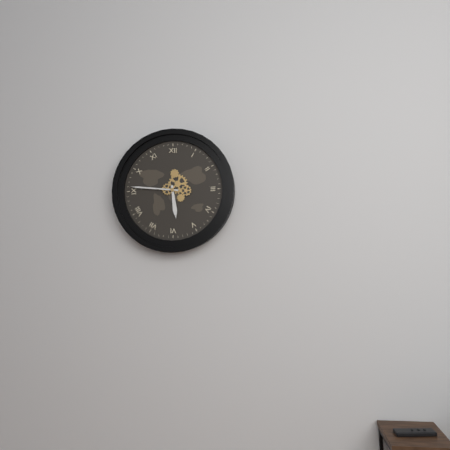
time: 5:46
